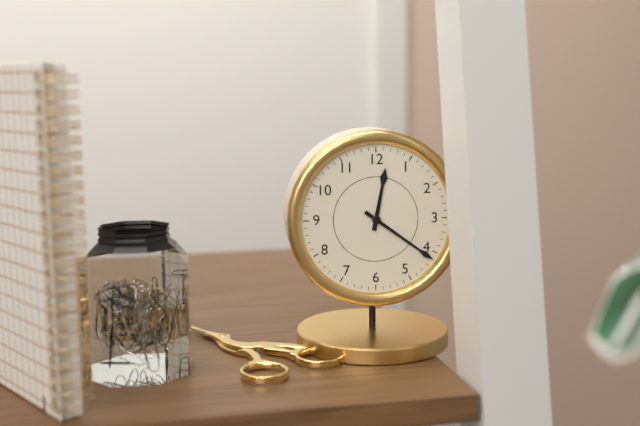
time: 12:21
